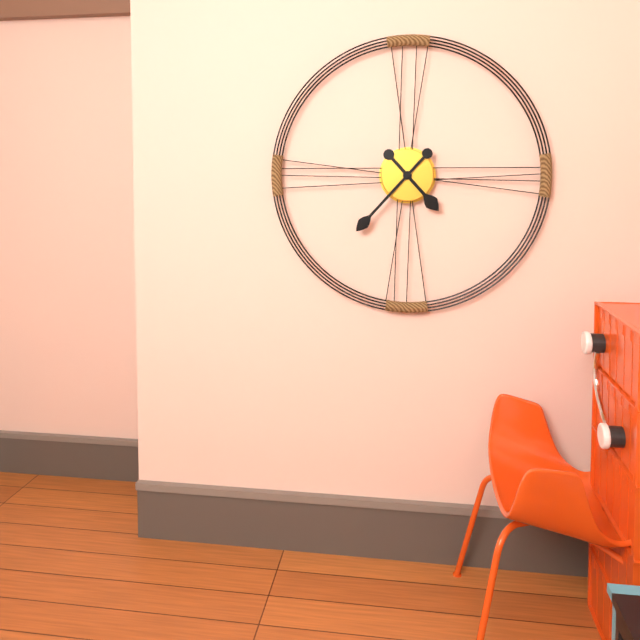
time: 4:37
